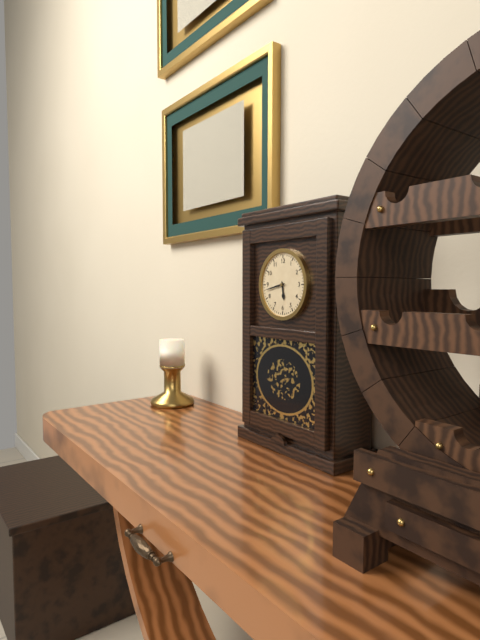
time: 5:43
